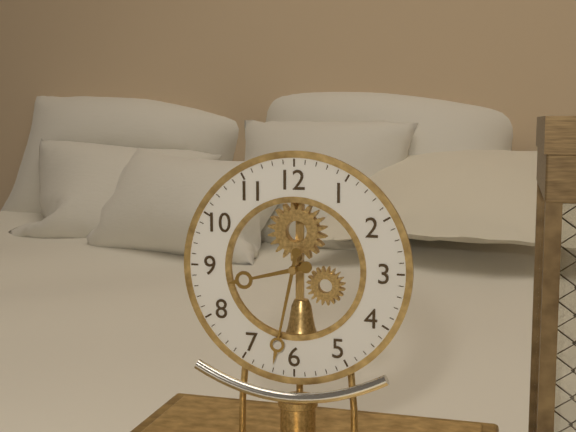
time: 8:32
